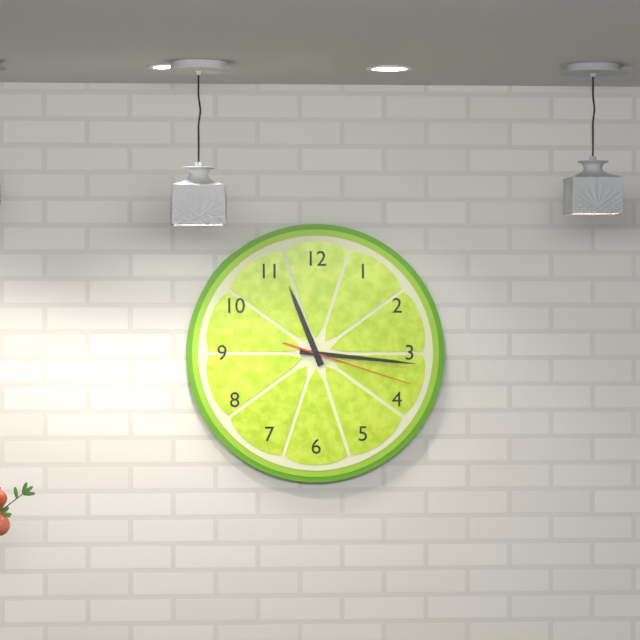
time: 11:16:18
